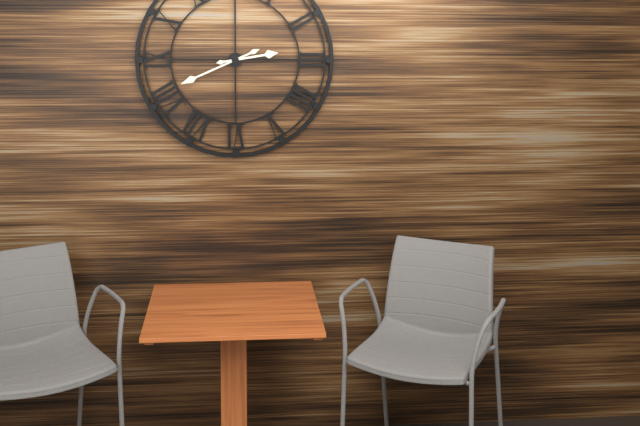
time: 2:41
